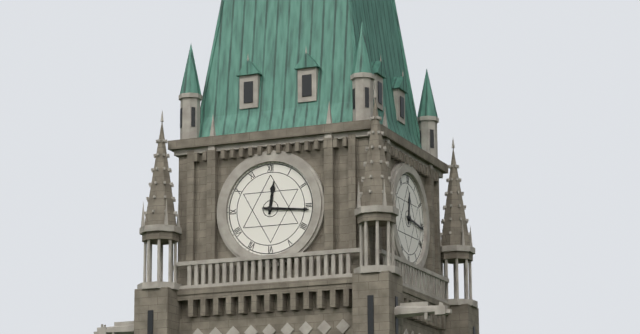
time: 12:16
